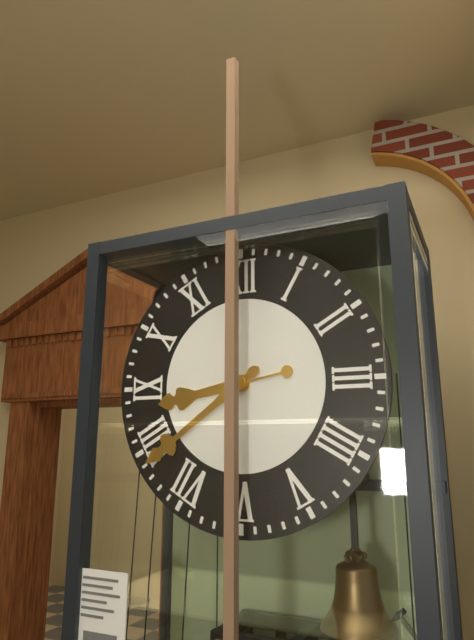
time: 8:39
